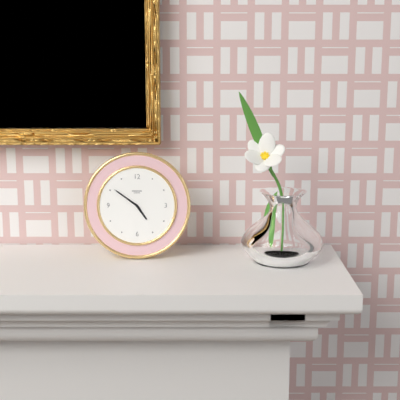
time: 4:51
